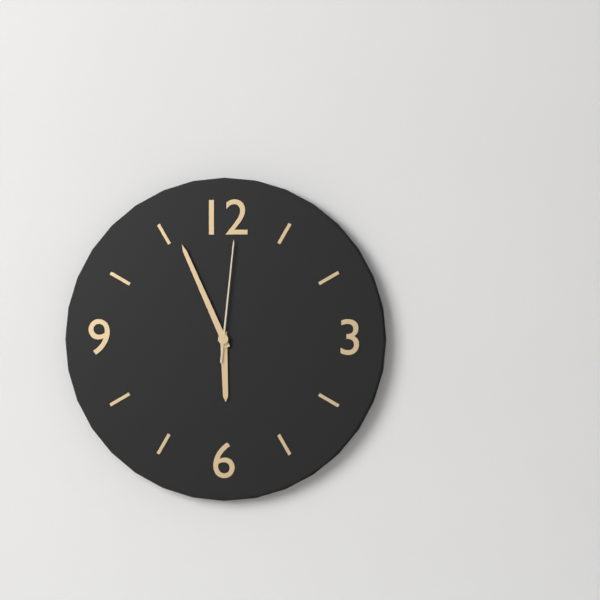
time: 5:56:01
